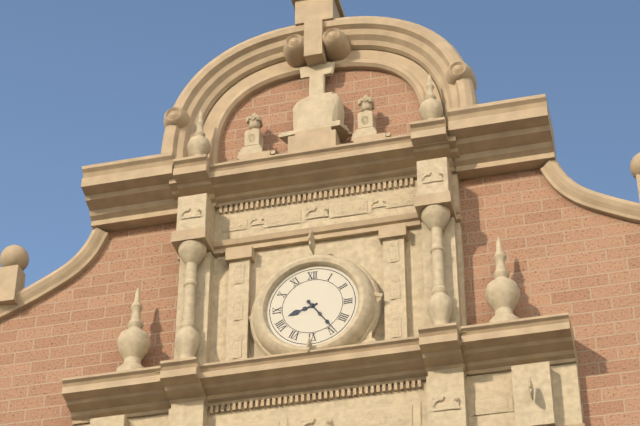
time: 8:24
